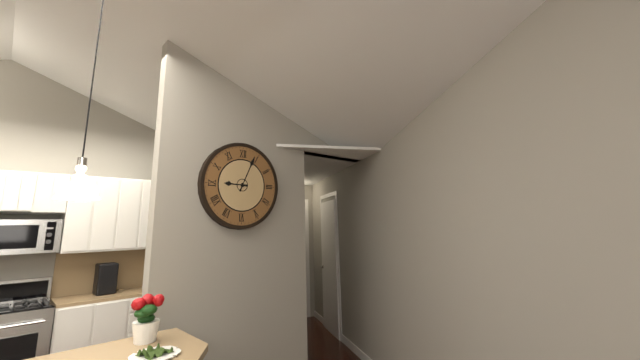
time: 9:04
